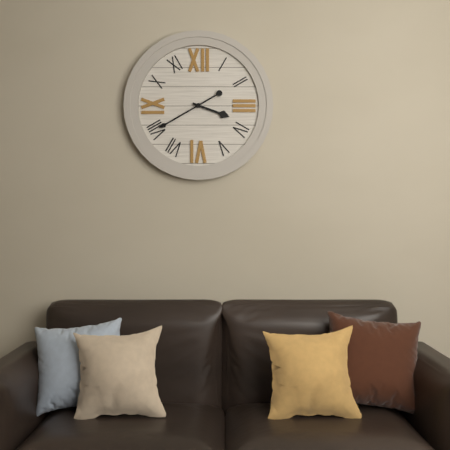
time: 3:40
